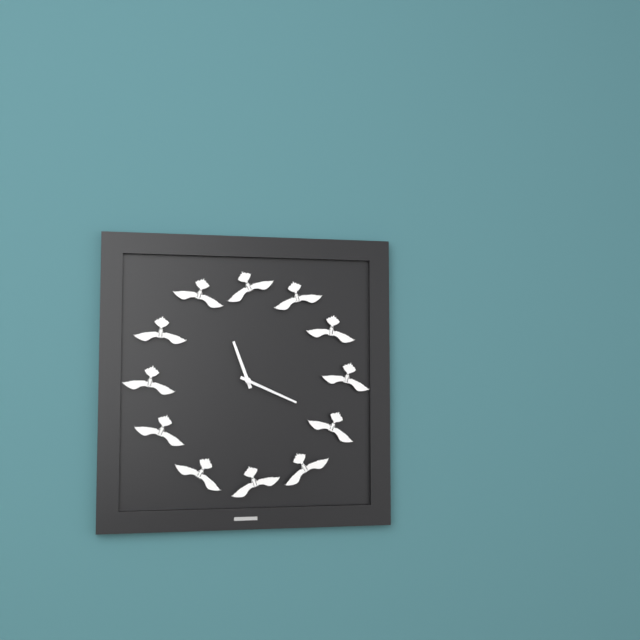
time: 11:19
